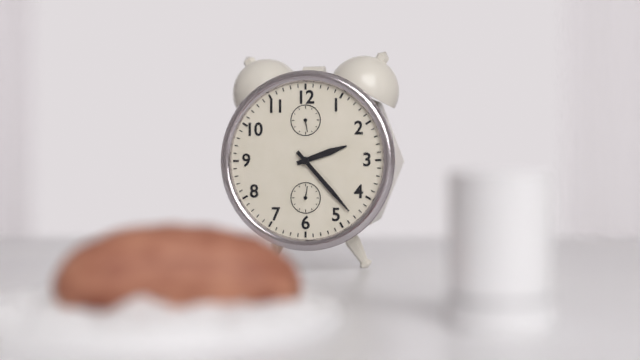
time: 2:23
